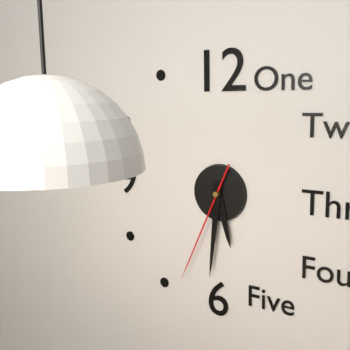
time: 5:31:34
